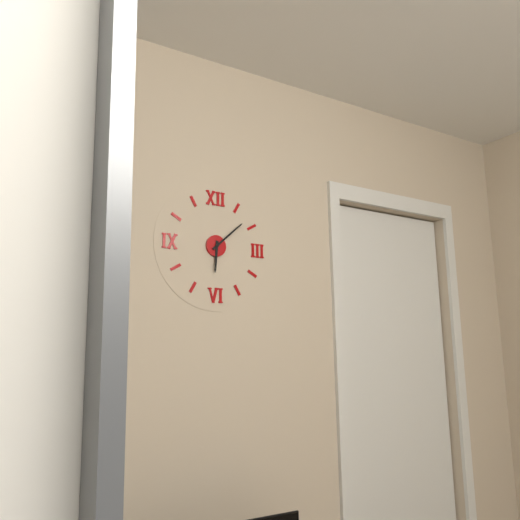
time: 6:08
